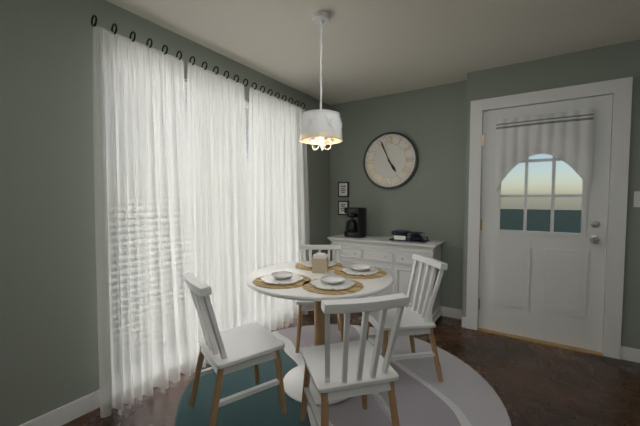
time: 4:56
